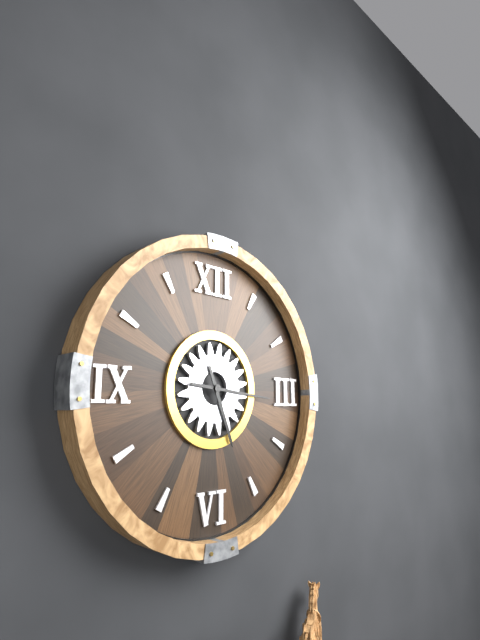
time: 5:16
